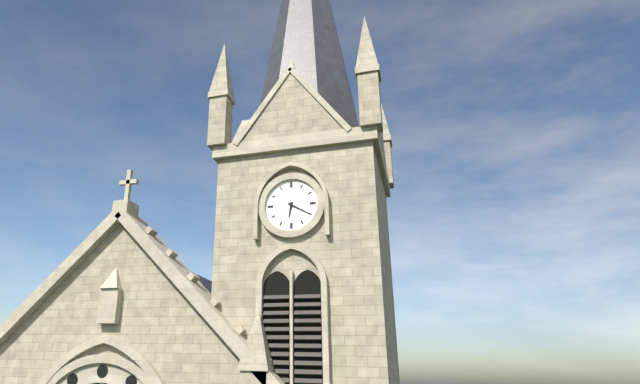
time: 6:20
